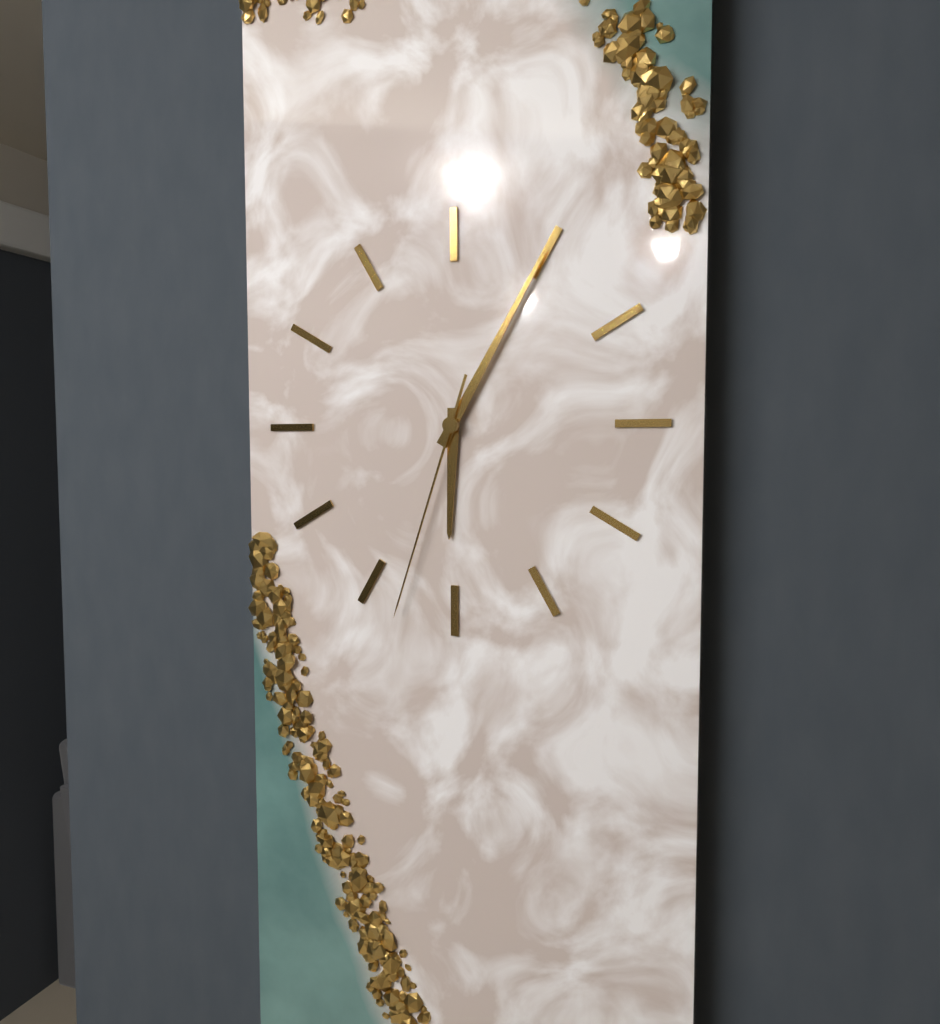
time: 6:05:33
